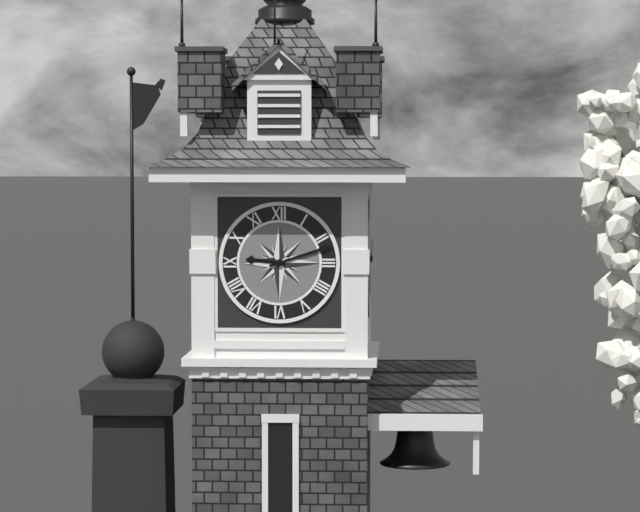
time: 9:12
